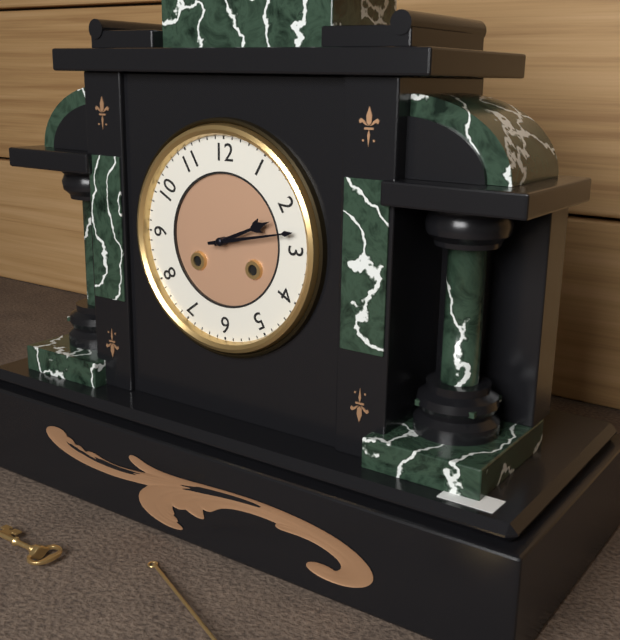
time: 2:13
